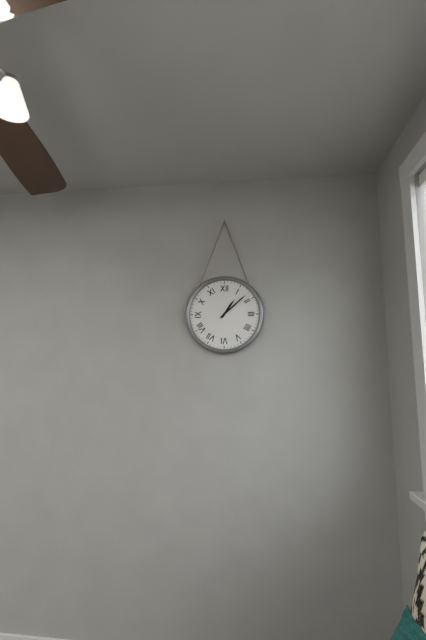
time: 1:08
